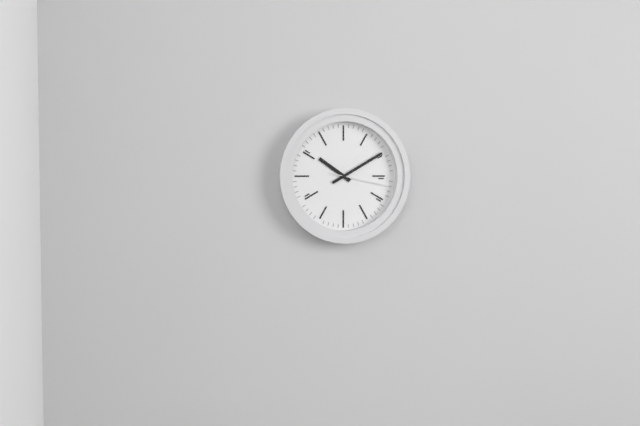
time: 10:10:17
